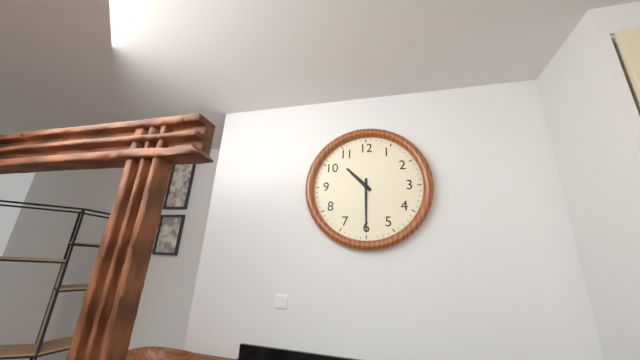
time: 10:30
